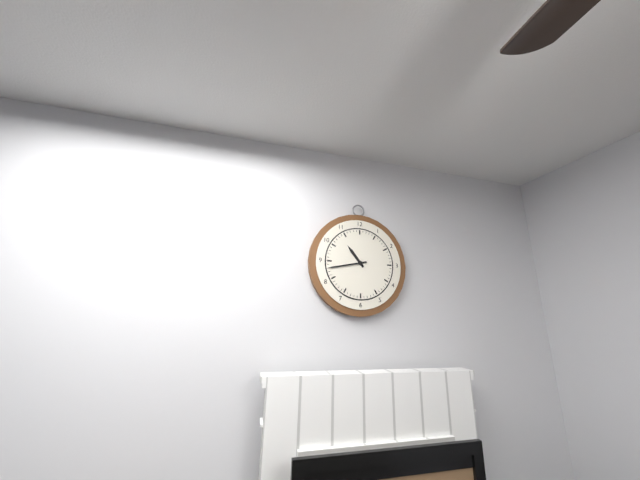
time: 10:43
